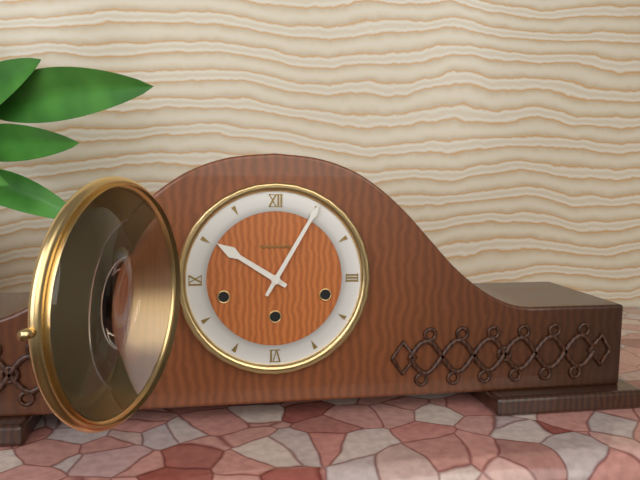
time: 10:05
